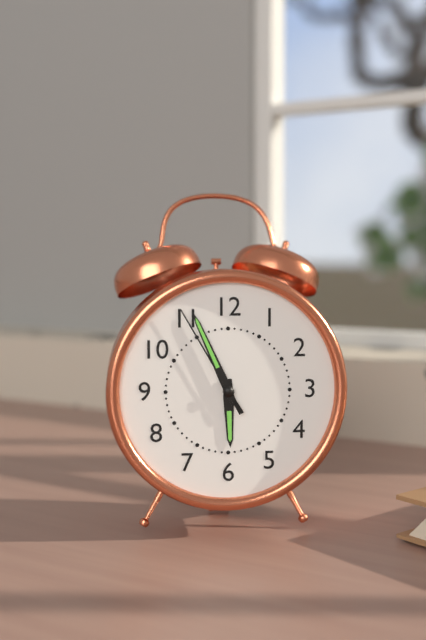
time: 5:56:55
